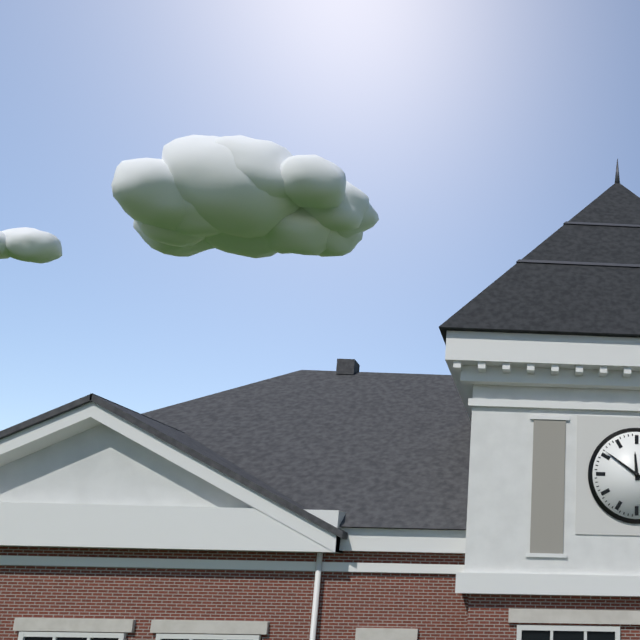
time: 11:51
